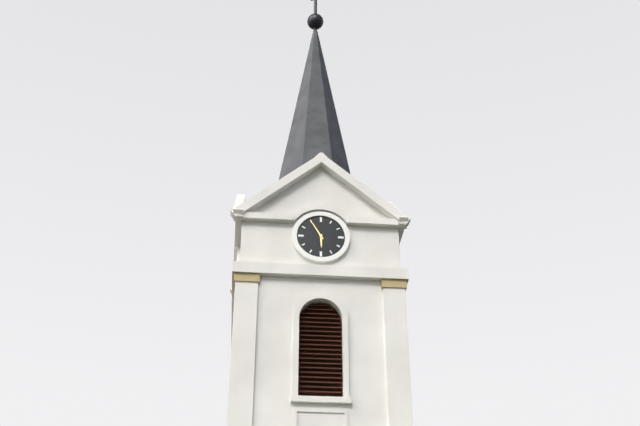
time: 5:55
